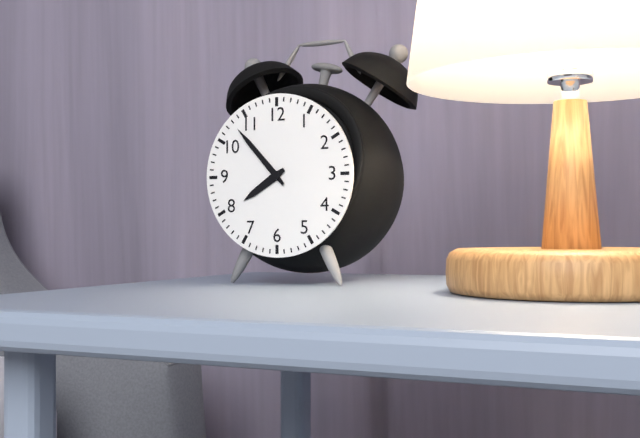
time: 7:53
